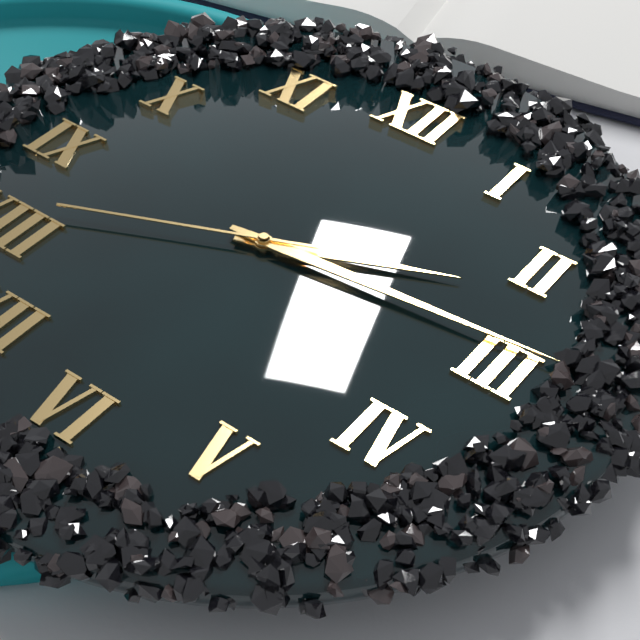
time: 2:14:41
